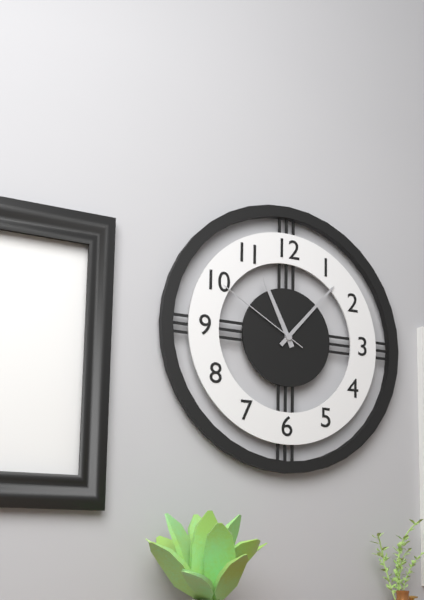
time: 11:07:50
